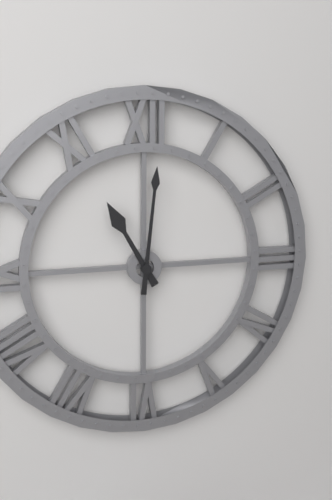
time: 11:01
